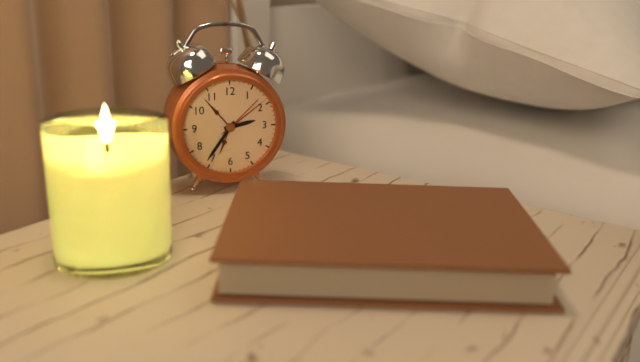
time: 2:36:09
